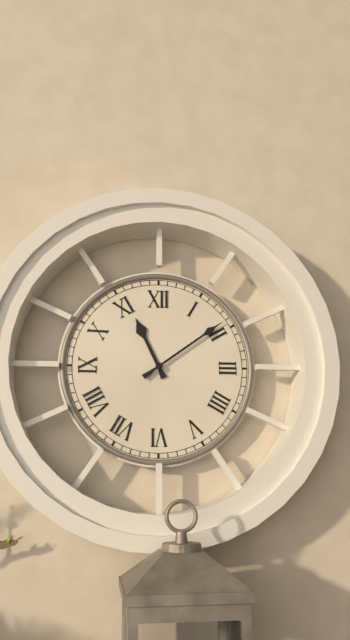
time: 11:09
